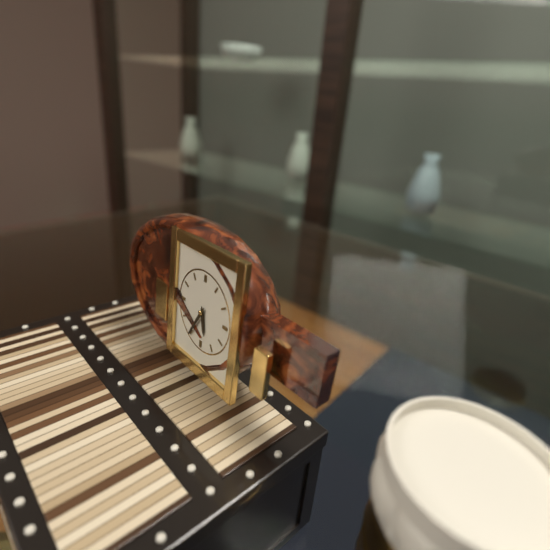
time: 5:35
